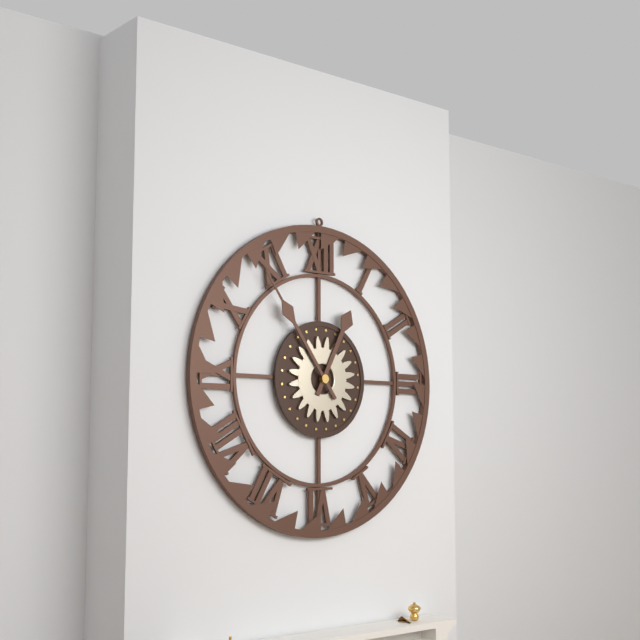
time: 12:54
